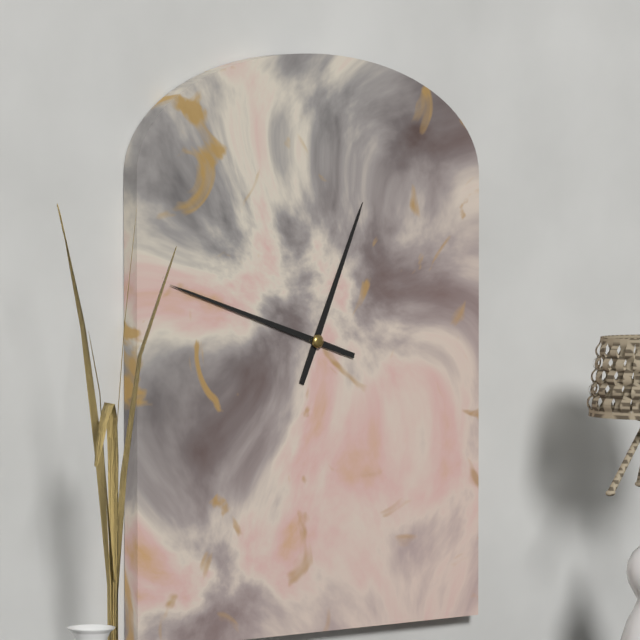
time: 12:48
